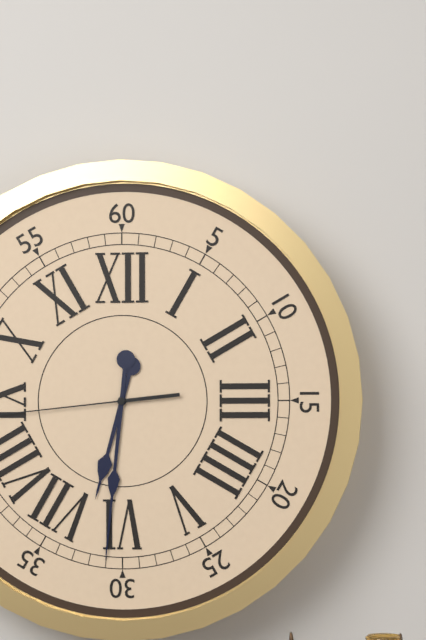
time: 6:31
